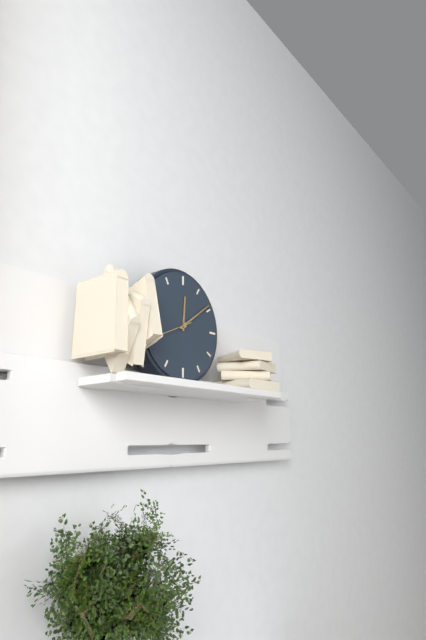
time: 12:09
